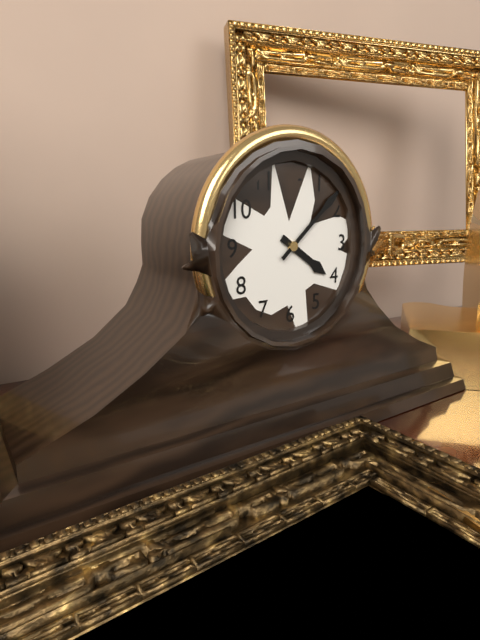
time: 4:08
